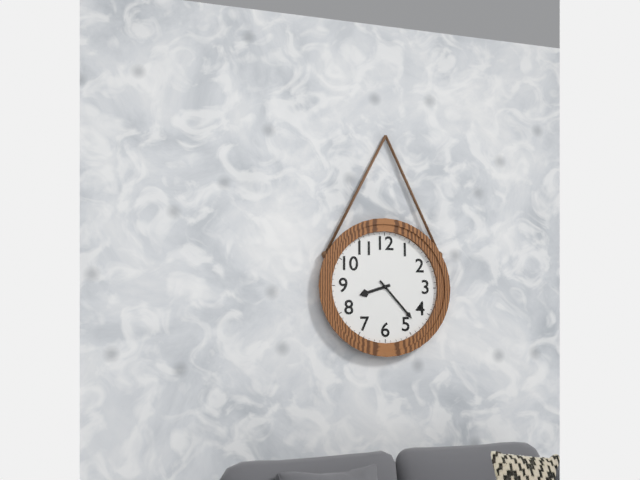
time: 8:23
